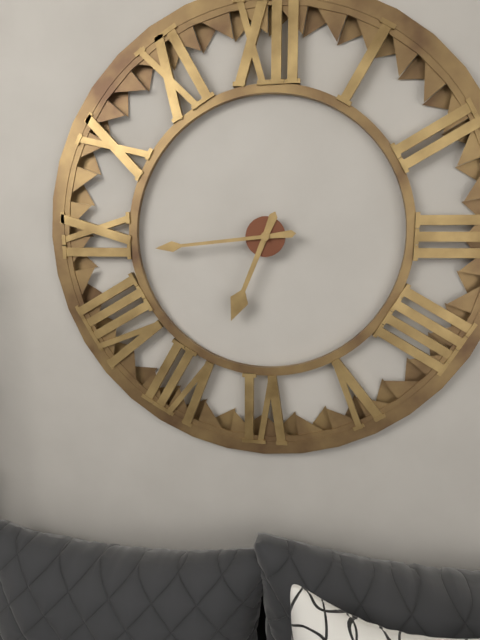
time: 6:44
